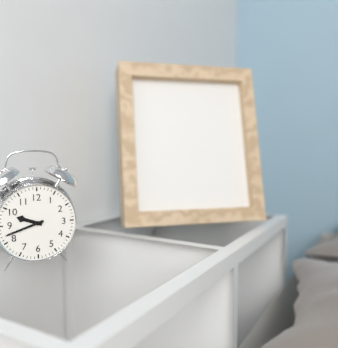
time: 9:42
